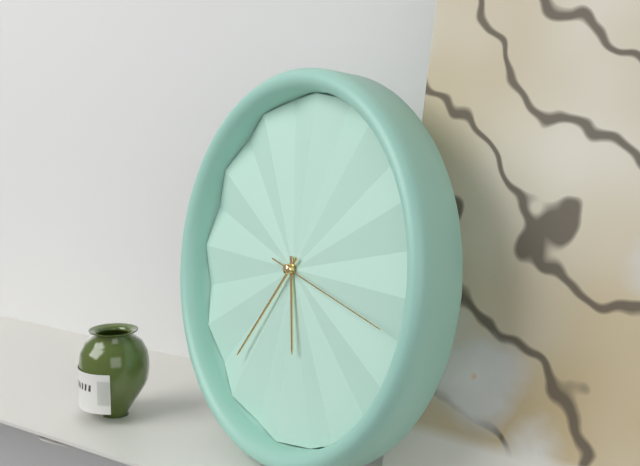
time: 5:36:17
